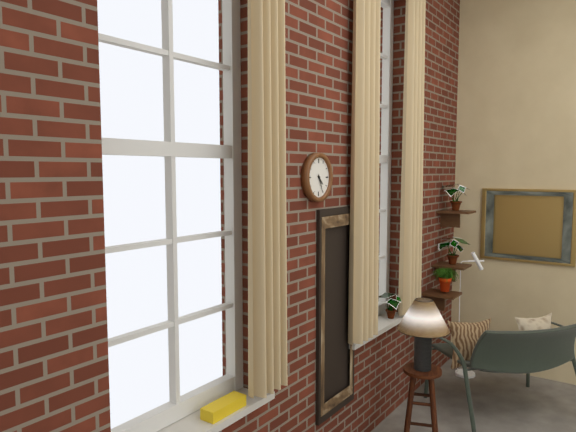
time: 4:26
